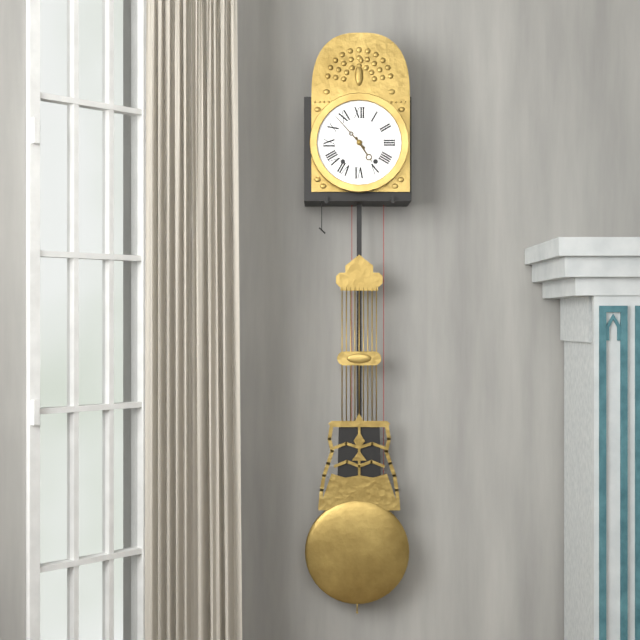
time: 4:53
